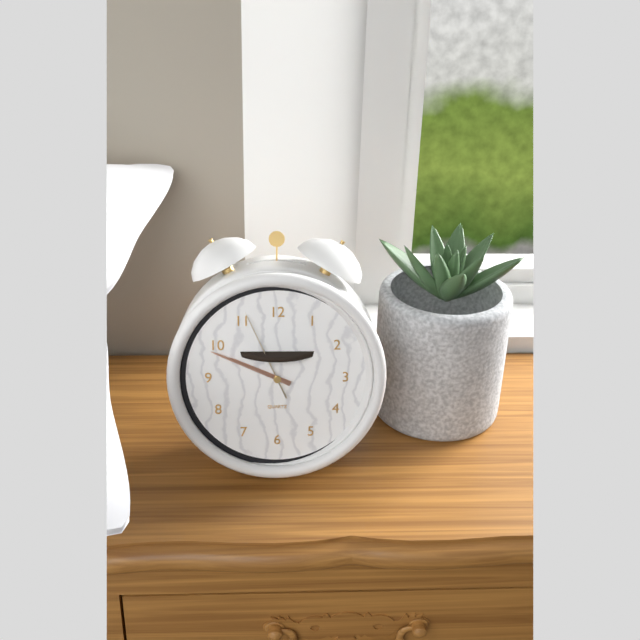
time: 9:49:56
